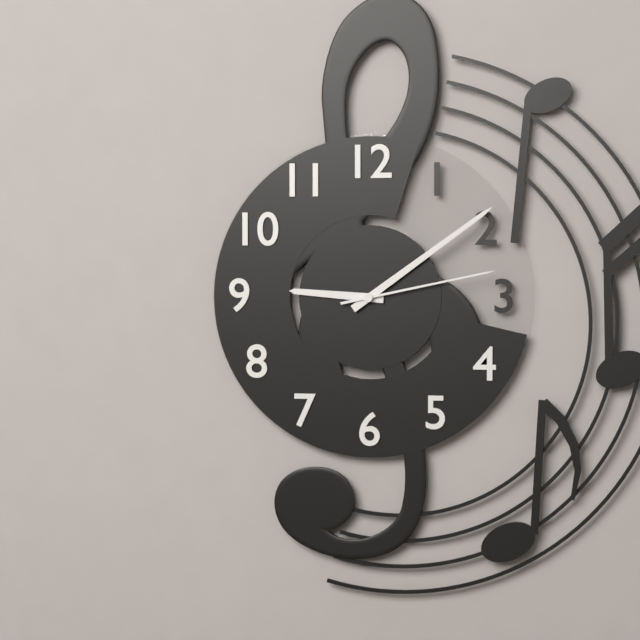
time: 9:09:13
